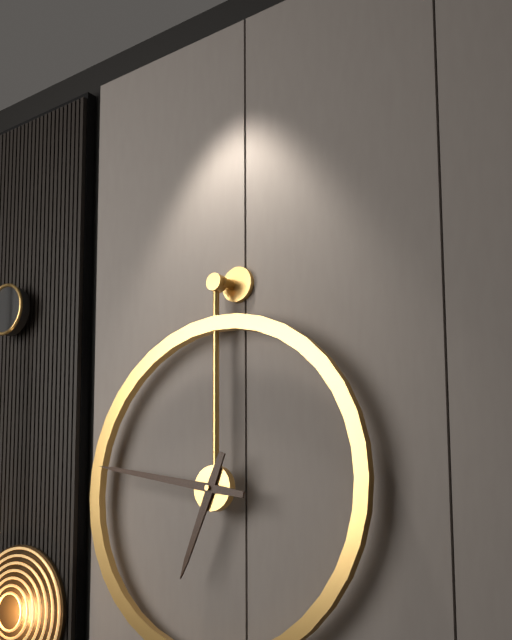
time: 6:47
